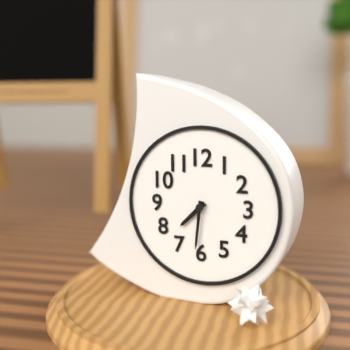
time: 7:31
